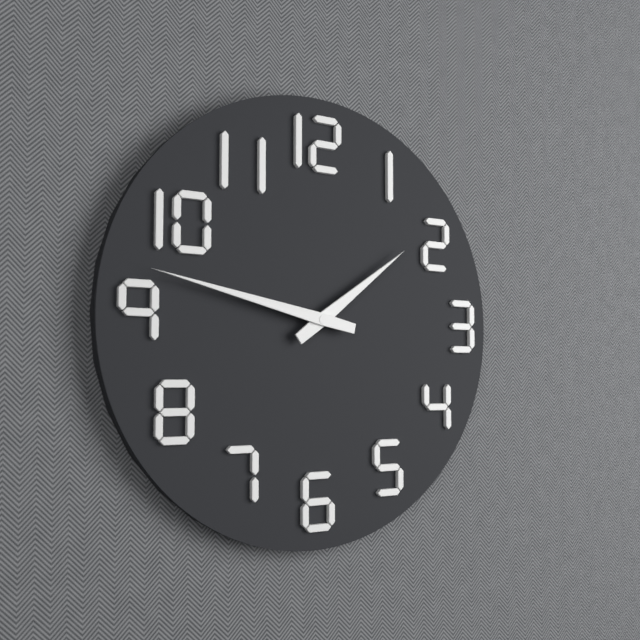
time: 1:47
